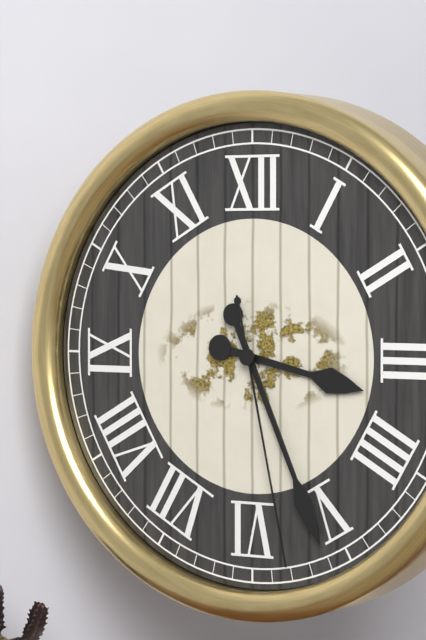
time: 3:26:28
